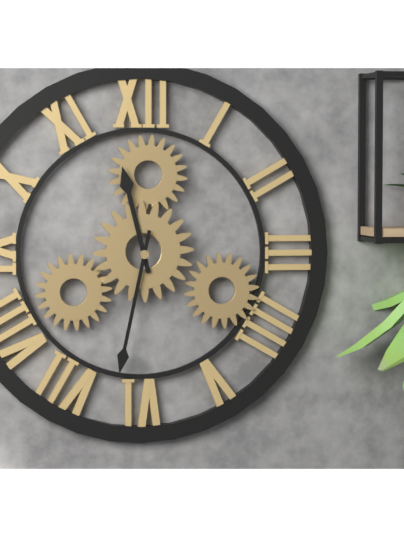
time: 11:32
